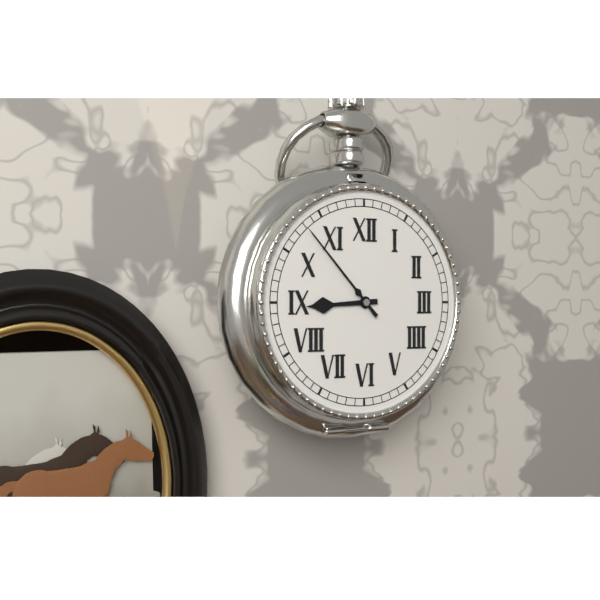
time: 8:53
